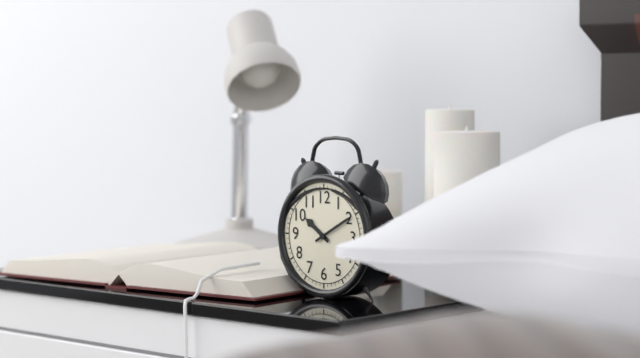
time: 10:10
